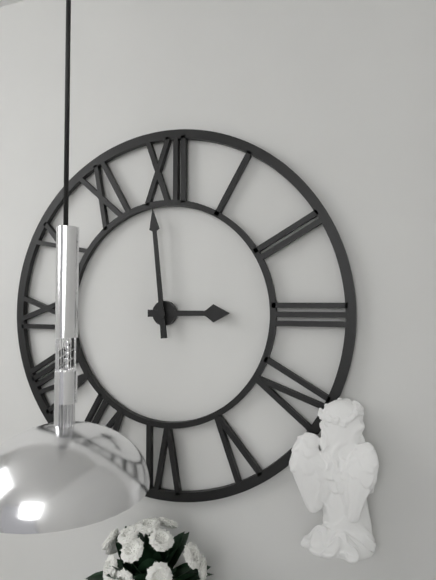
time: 2:59
